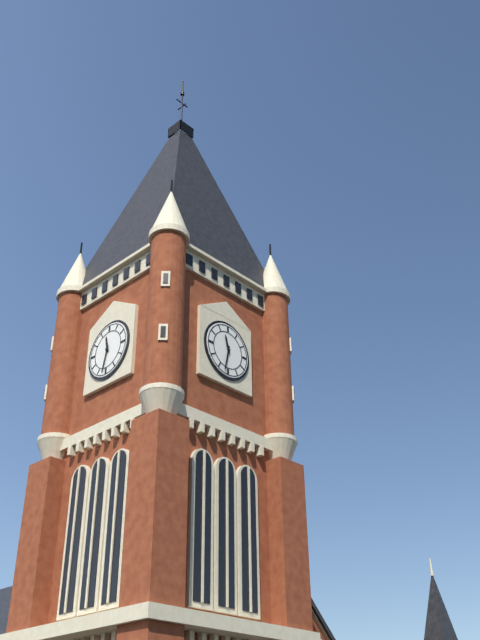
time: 11:32
